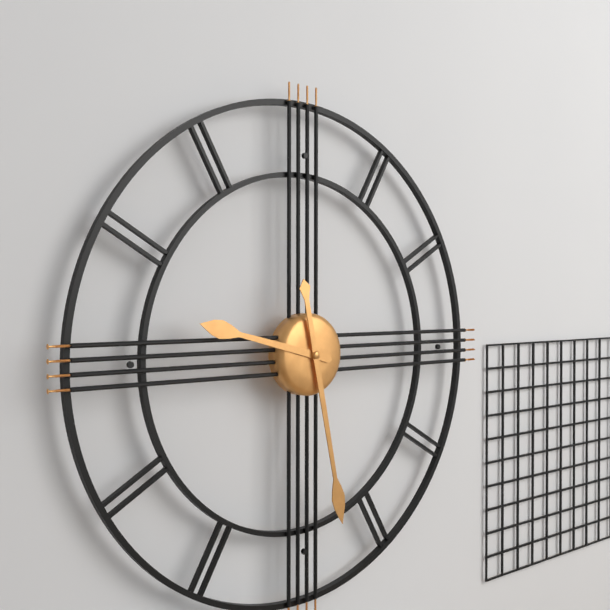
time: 9:28
